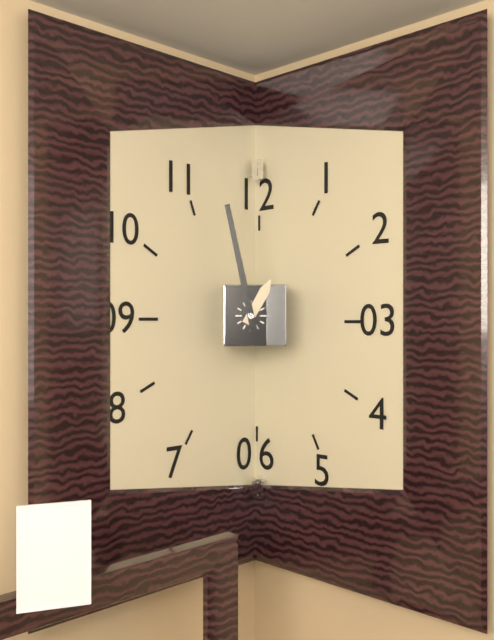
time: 12:58
